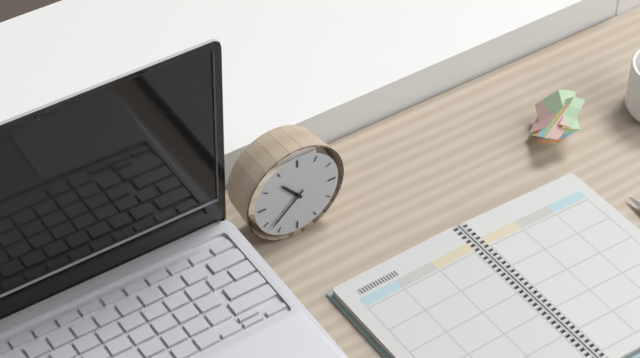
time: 10:38
